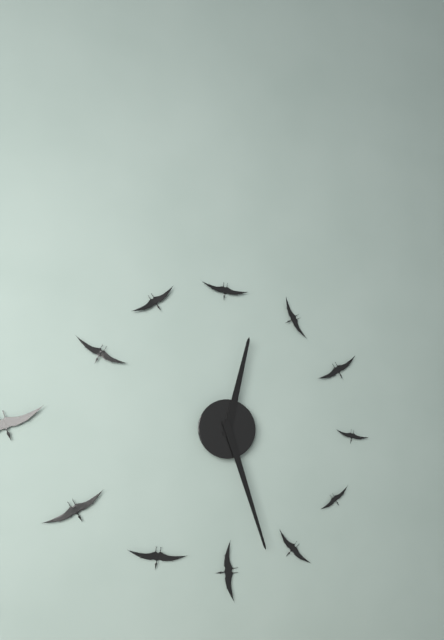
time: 12:27
